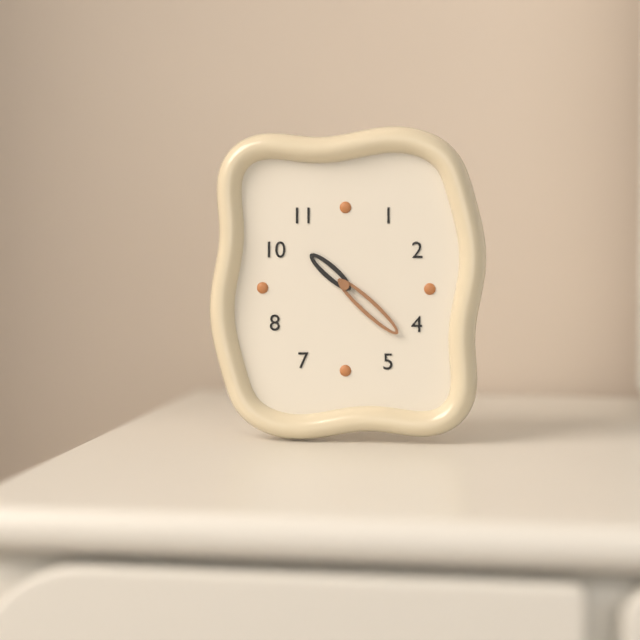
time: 10:22
